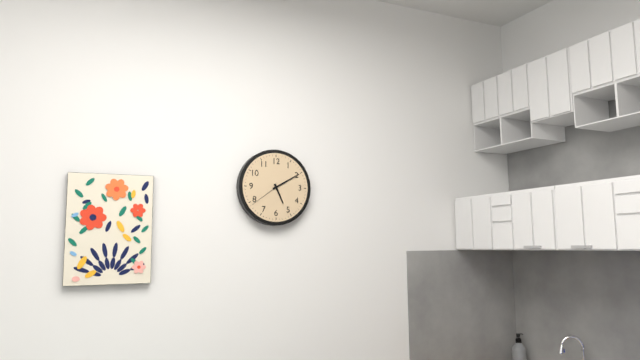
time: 5:10
